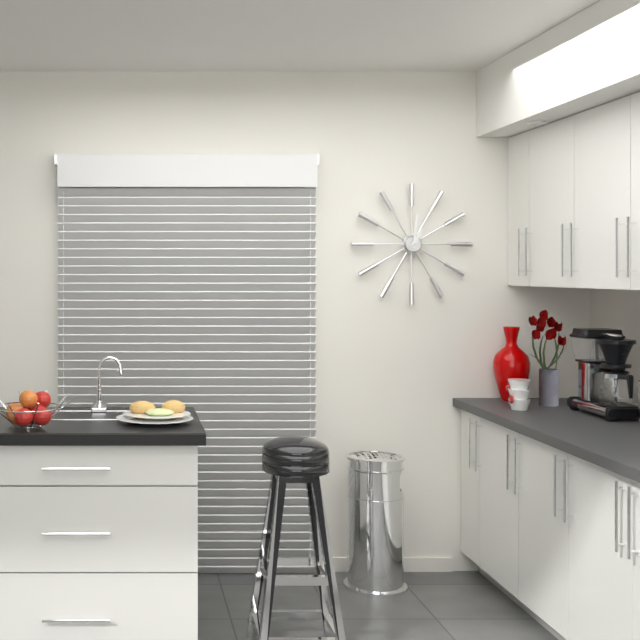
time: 1:01
